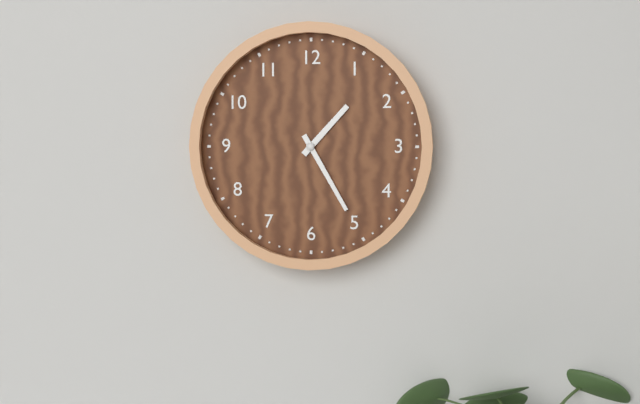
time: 1:25
